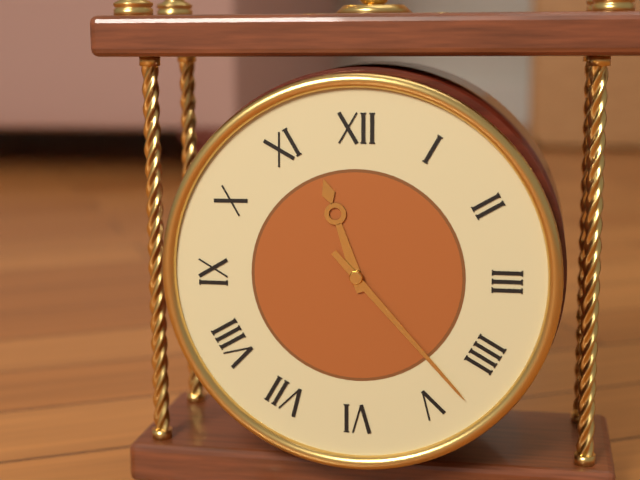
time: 11:23
